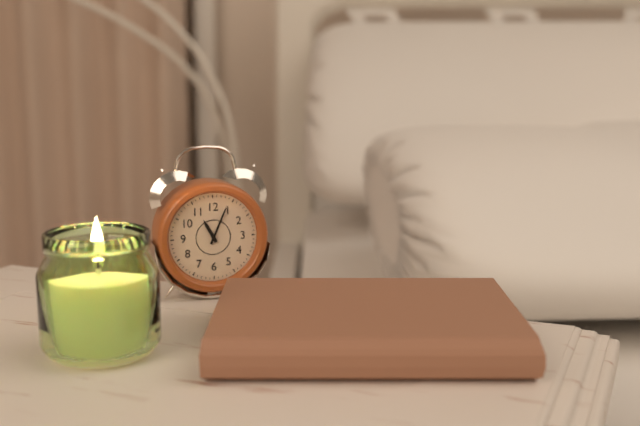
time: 11:04
